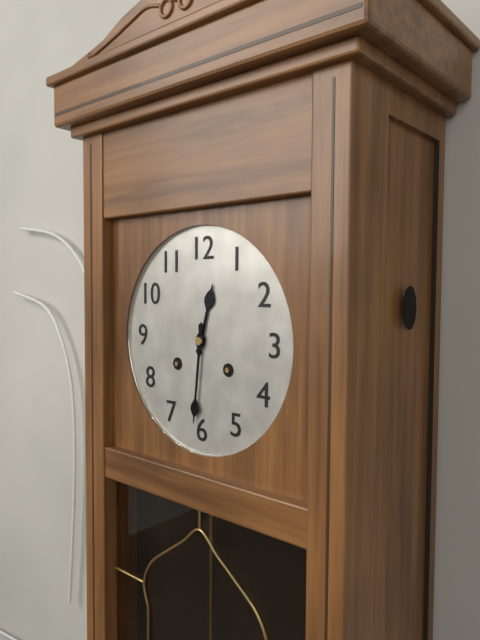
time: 12:31
